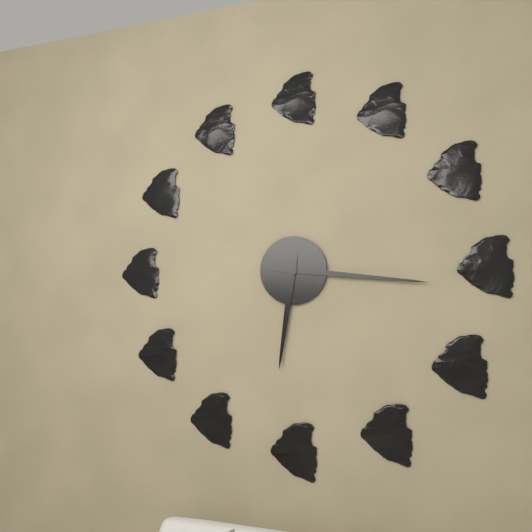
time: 6:16
